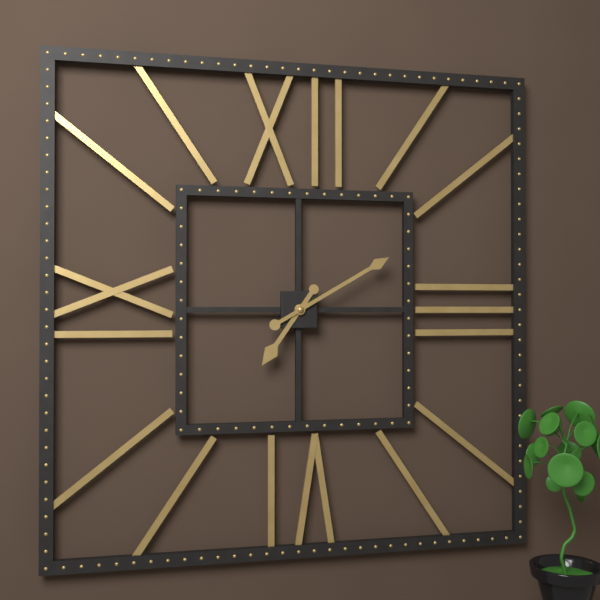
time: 7:10
